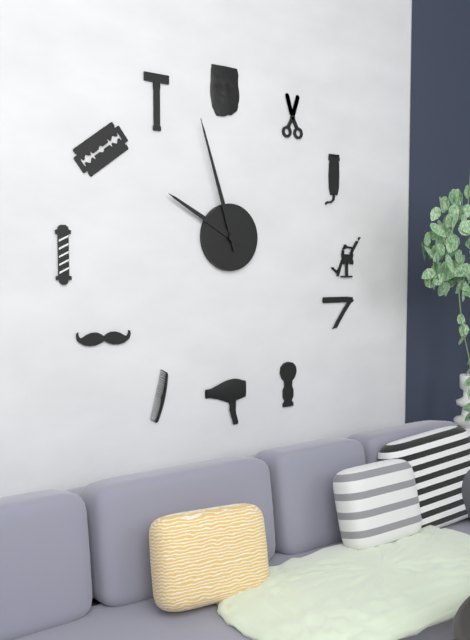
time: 9:57
